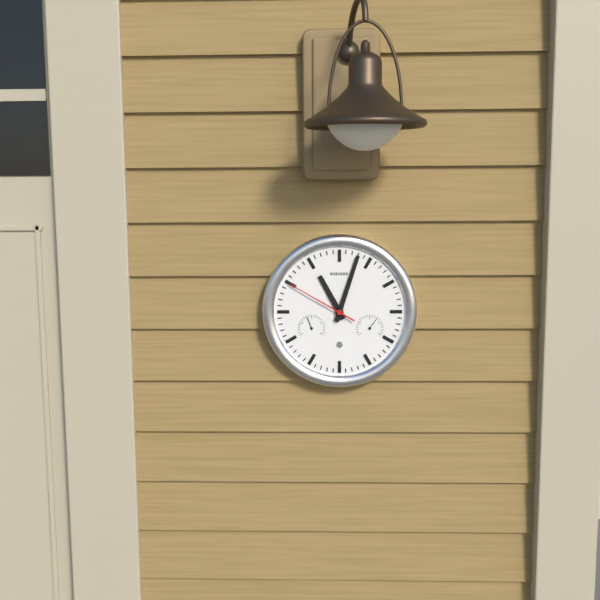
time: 11:03:50
